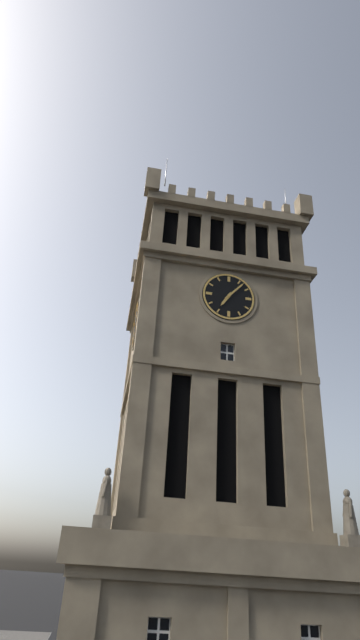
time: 7:07
